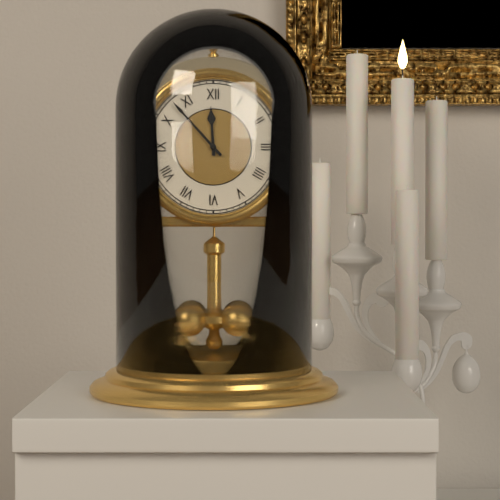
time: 11:53
